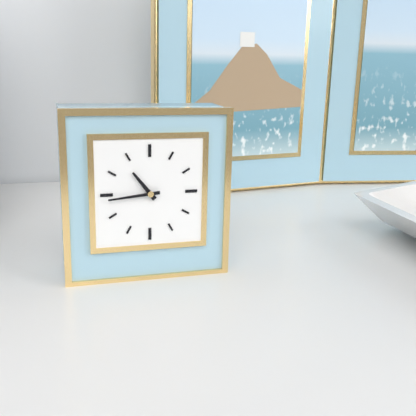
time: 10:44
